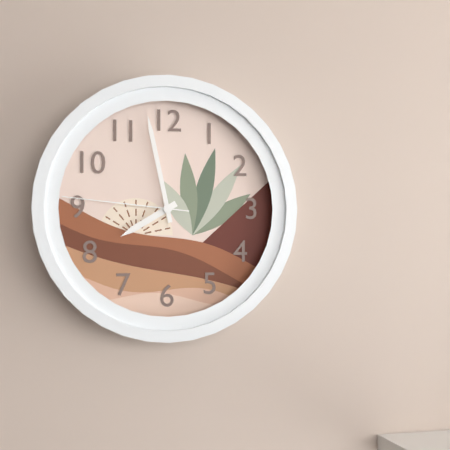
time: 7:58:46
